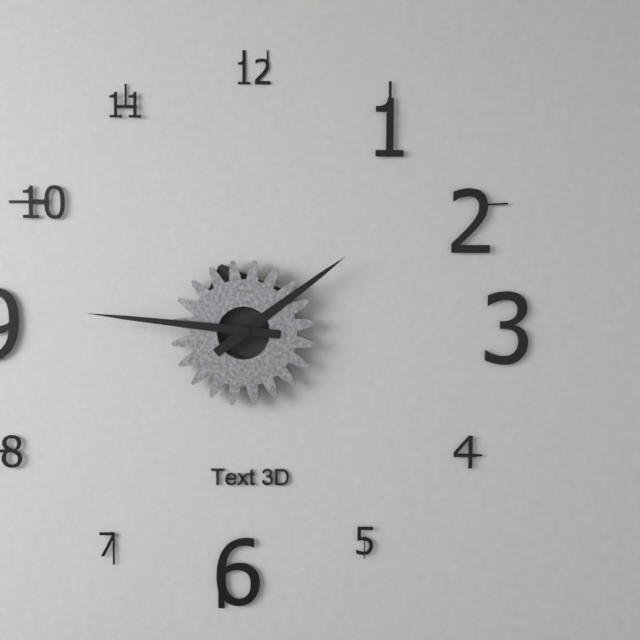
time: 1:46
